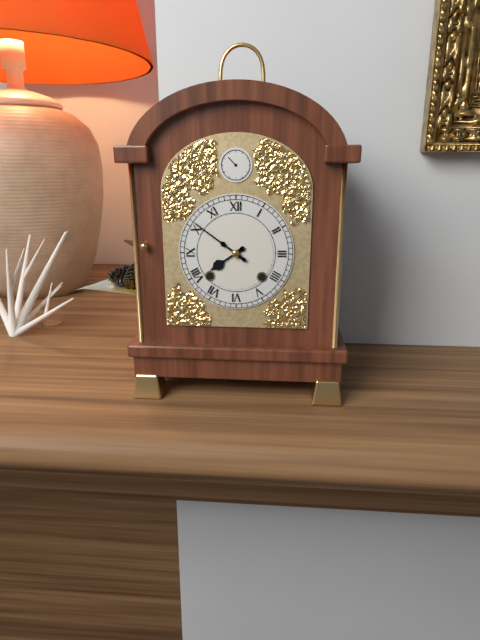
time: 7:51
